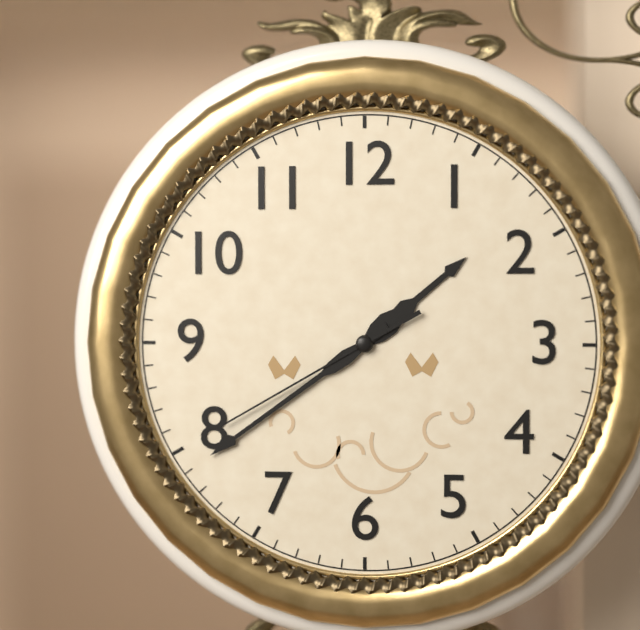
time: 1:39:40
